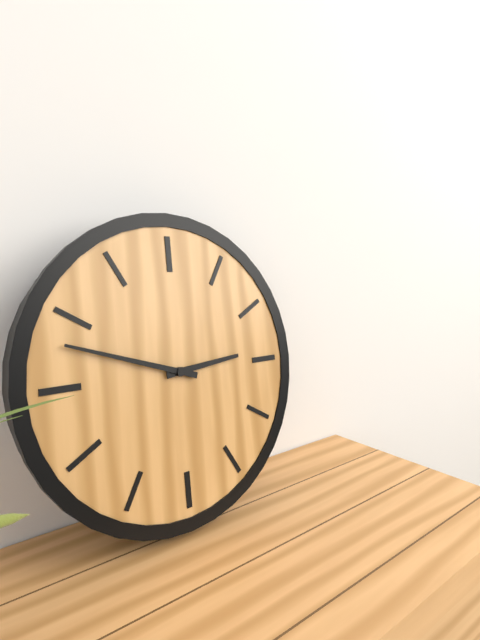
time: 2:48
